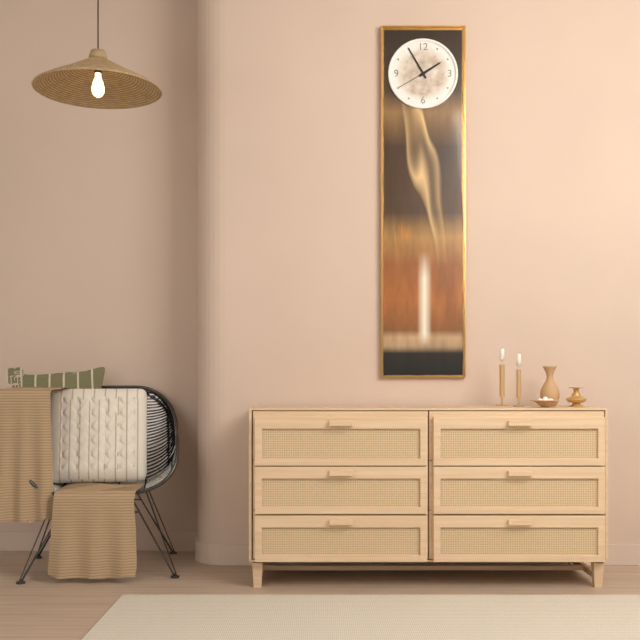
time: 1:55
